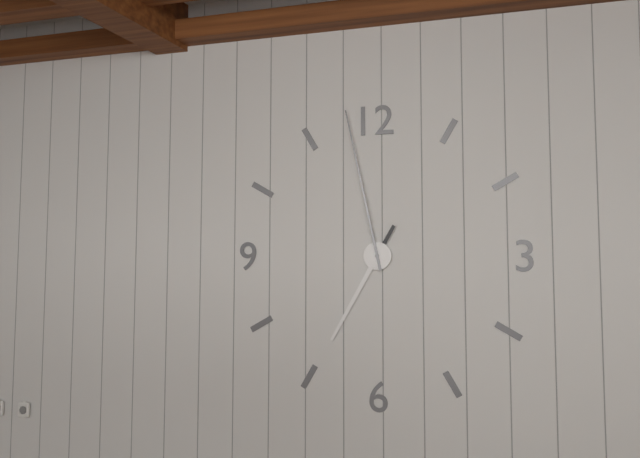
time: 6:58
